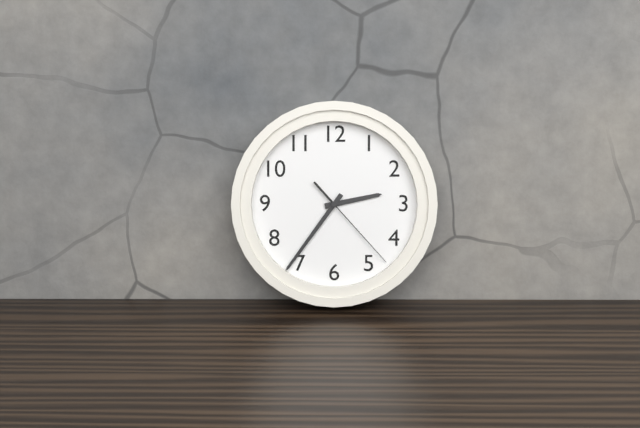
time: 2:36:23
